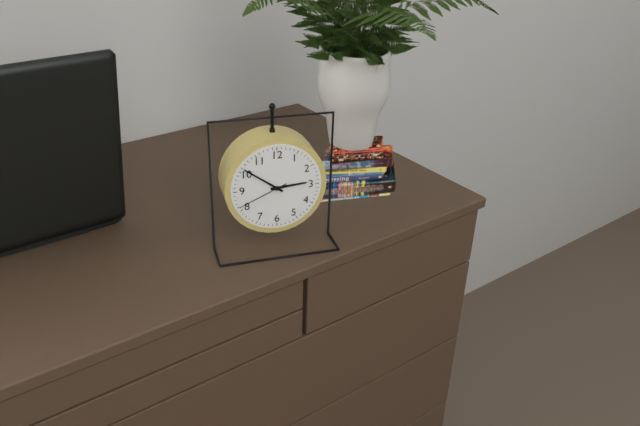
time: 2:51:41
